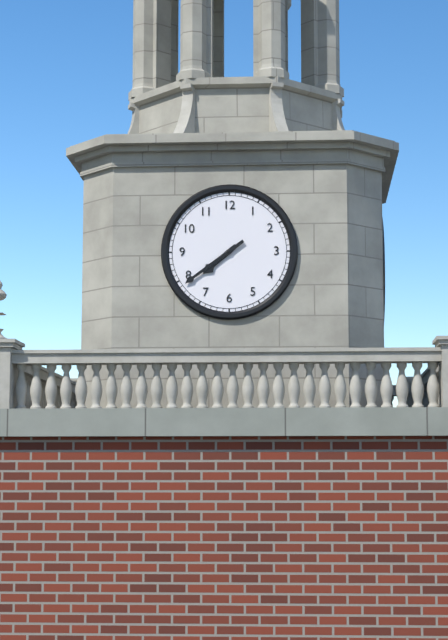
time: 7:39
